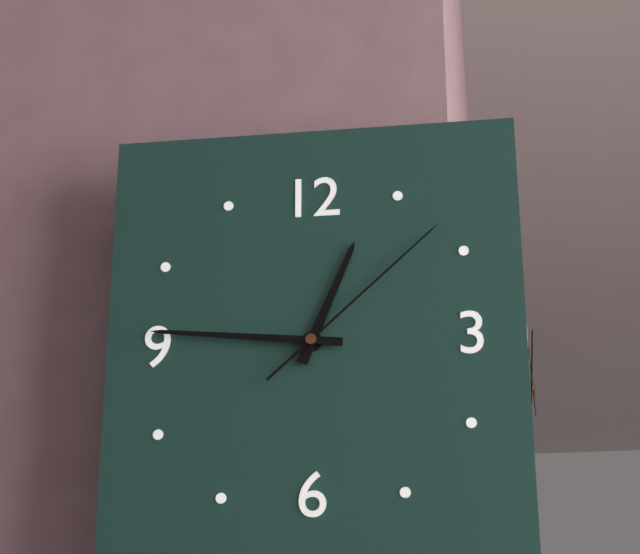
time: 12:46:08
